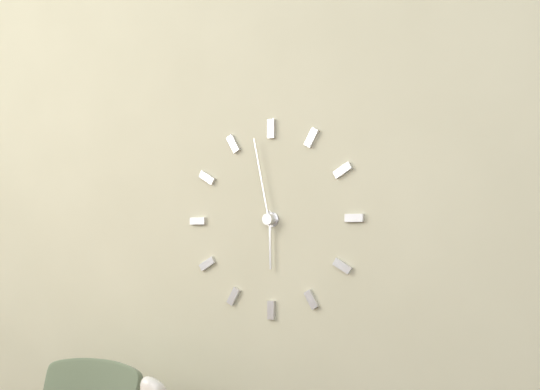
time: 5:58
